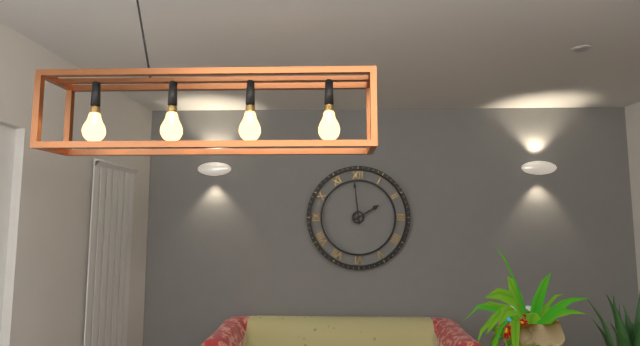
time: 1:59
